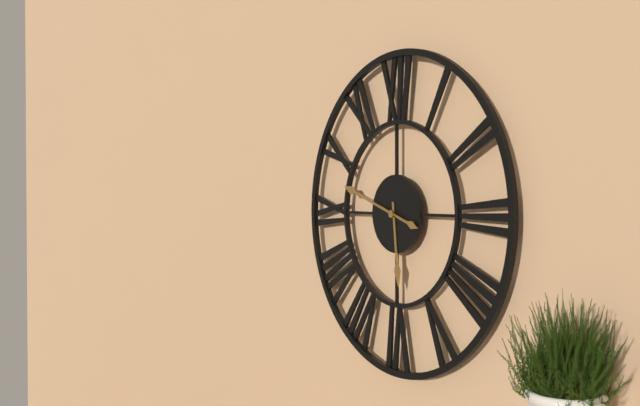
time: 5:48
